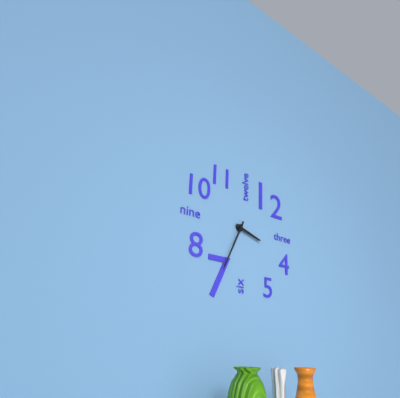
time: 3:34
